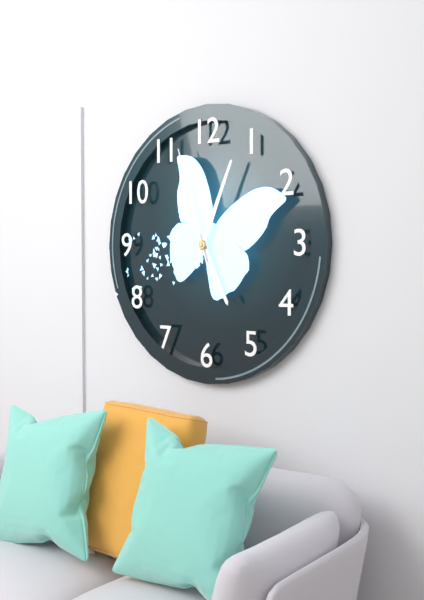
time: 5:04:57
